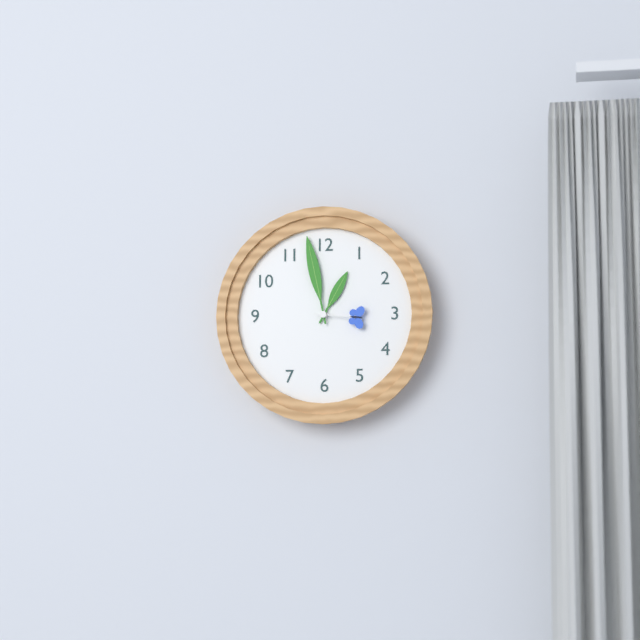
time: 12:58:16
